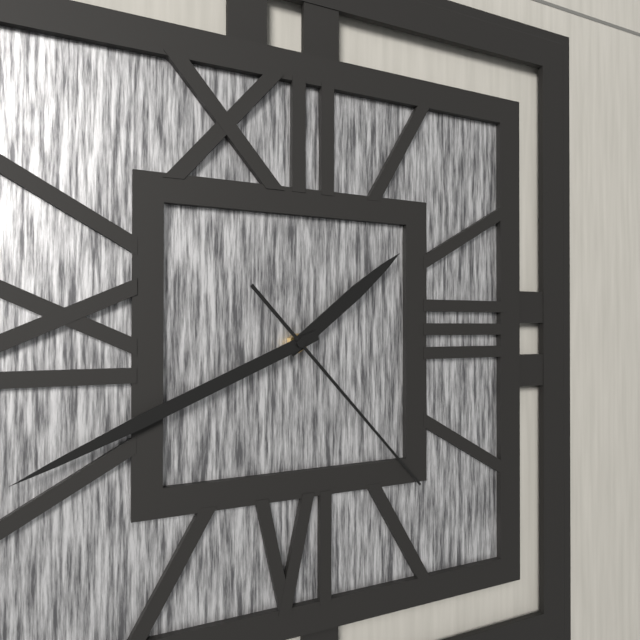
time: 1:41:23
